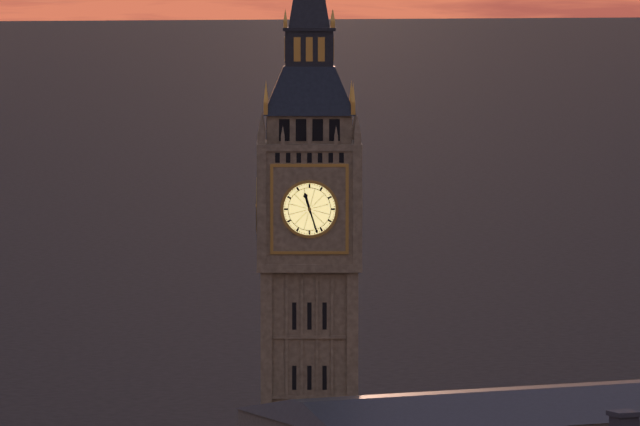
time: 11:27
